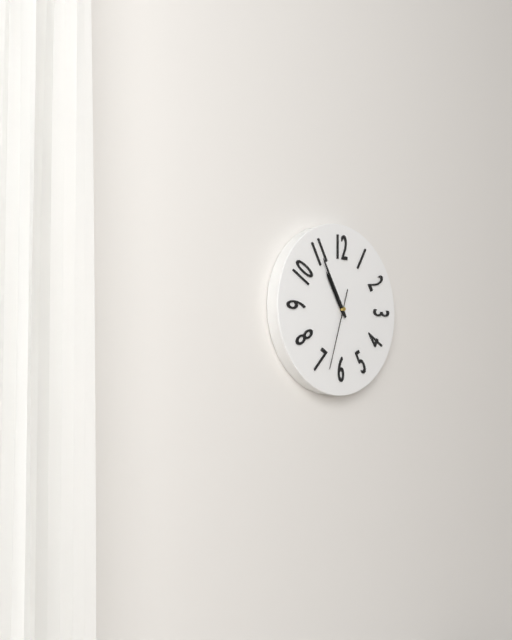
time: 10:55:33
